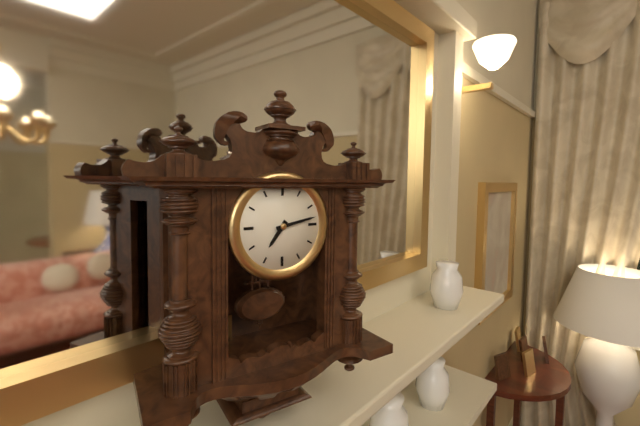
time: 7:13
